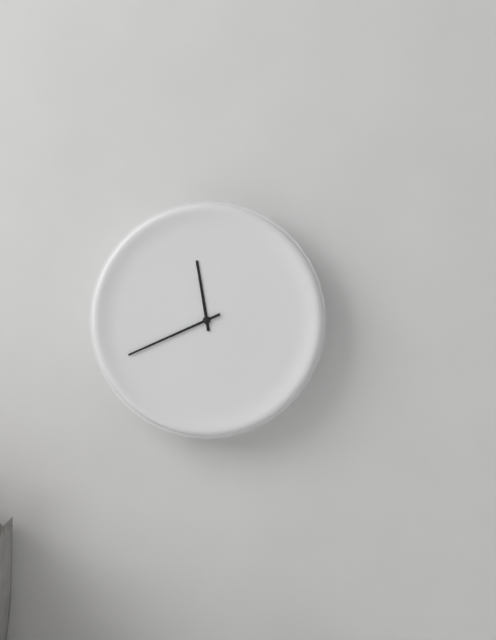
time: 11:41
